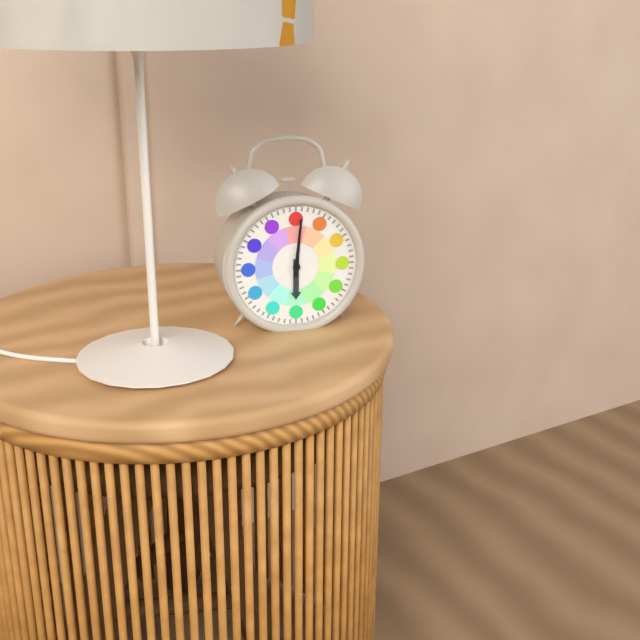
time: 6:01
